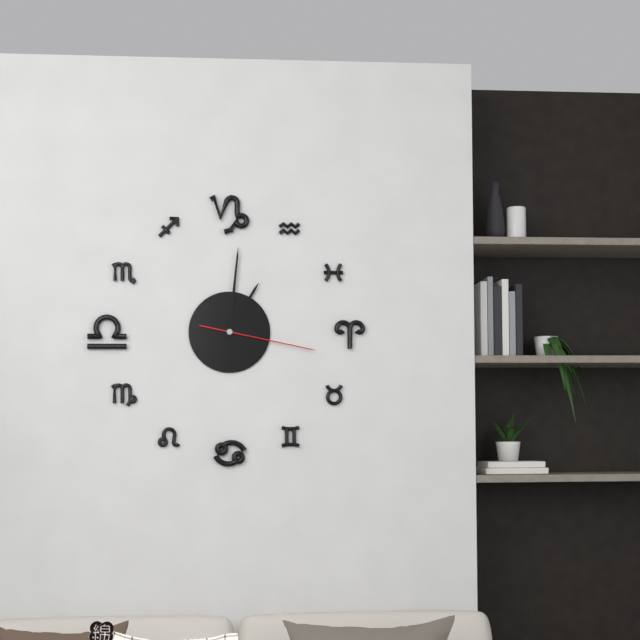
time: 1:01:17
